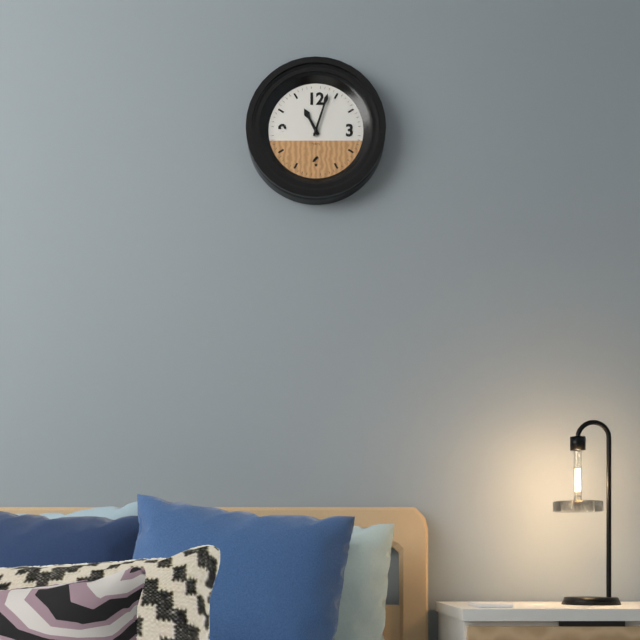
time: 11:03
